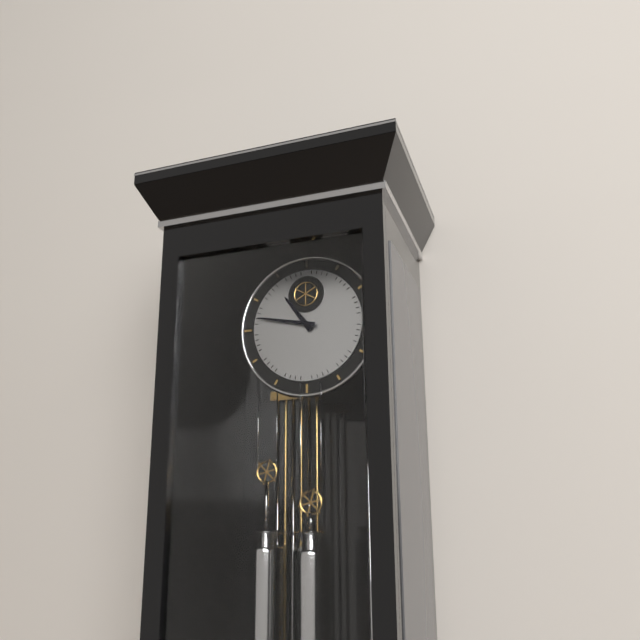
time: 10:47
